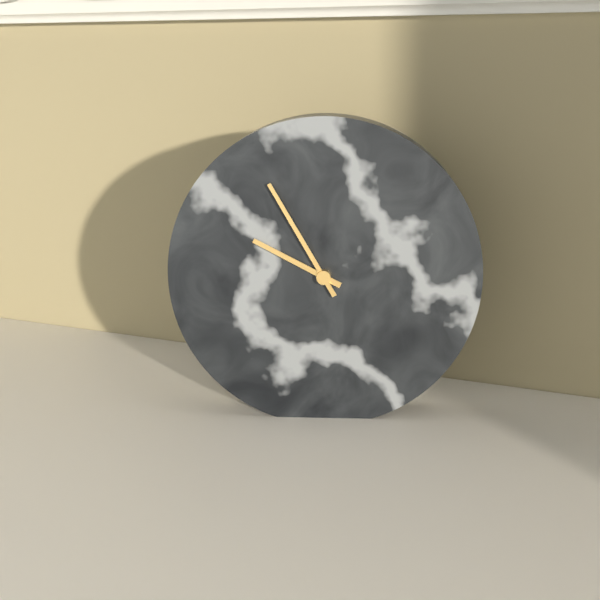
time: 9:55
